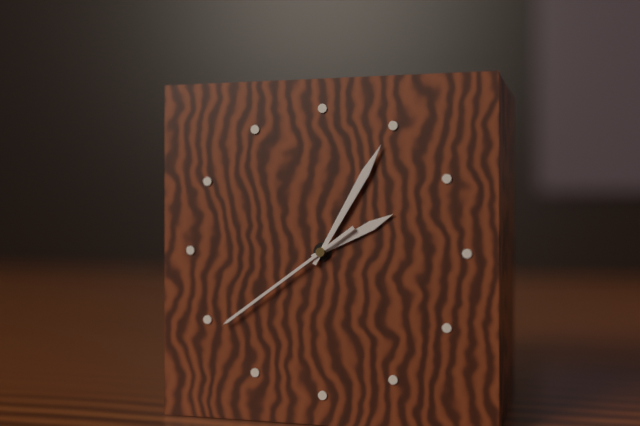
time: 2:05:39
